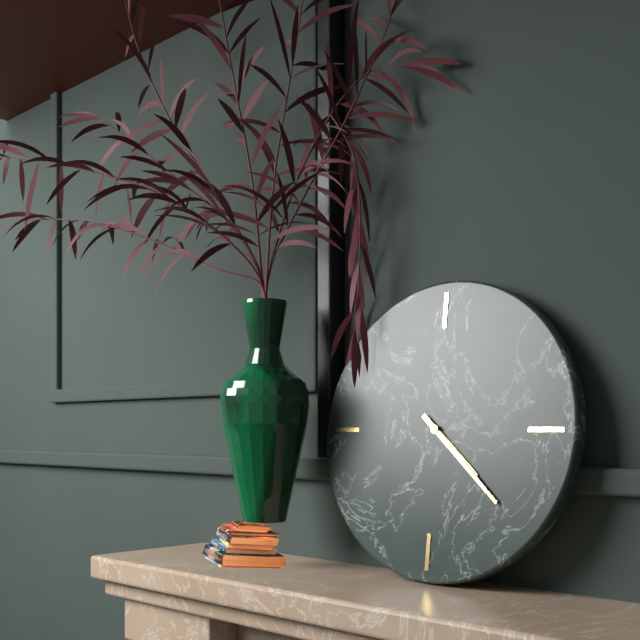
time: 4:22
